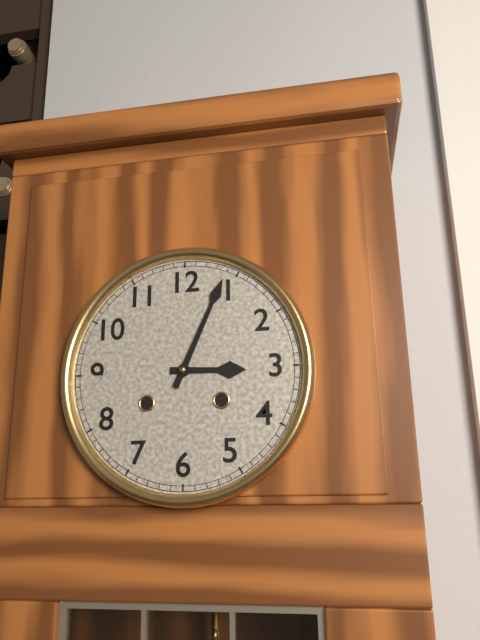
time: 3:04
